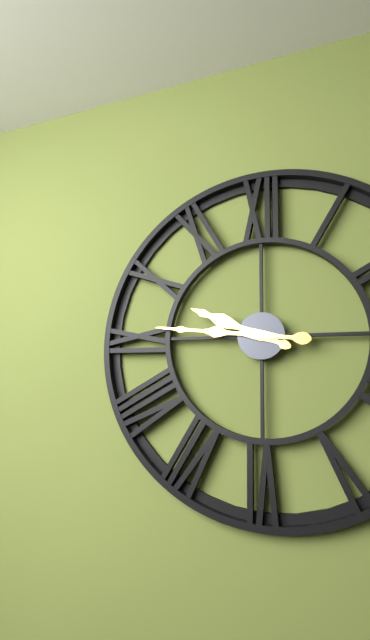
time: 9:46
